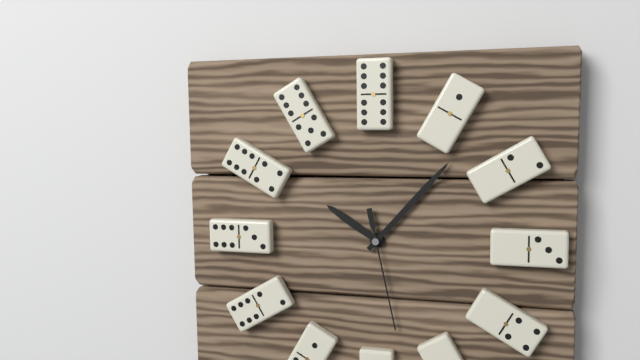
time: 10:07:28
